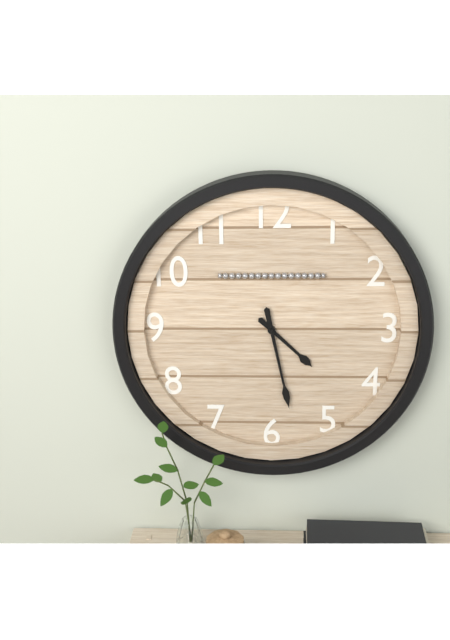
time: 4:28
